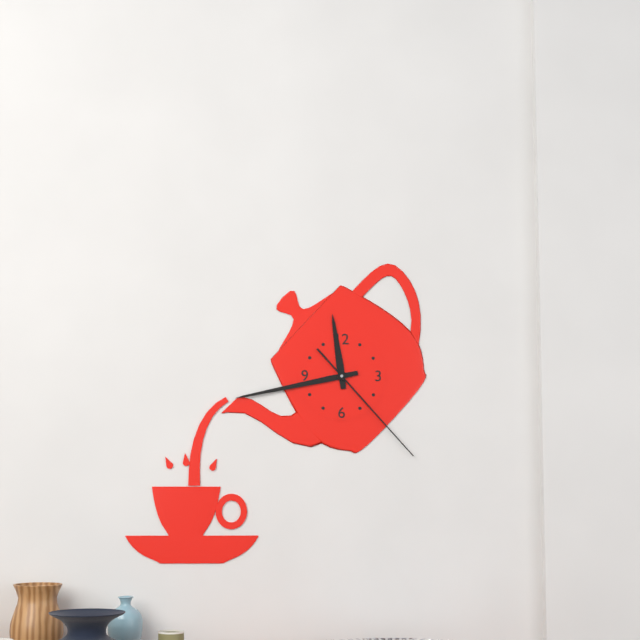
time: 11:43:23
